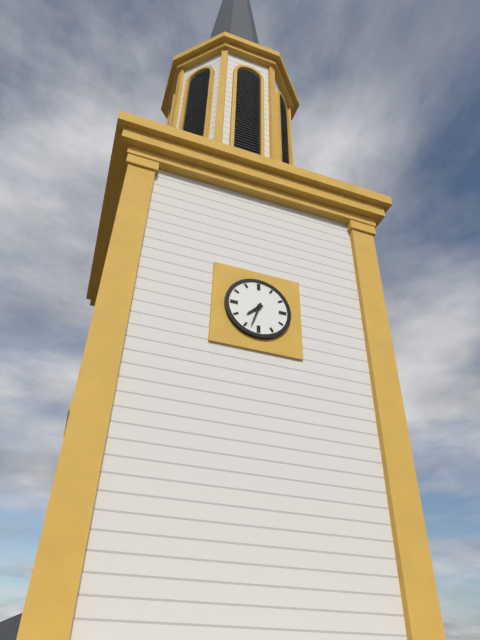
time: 7:33
